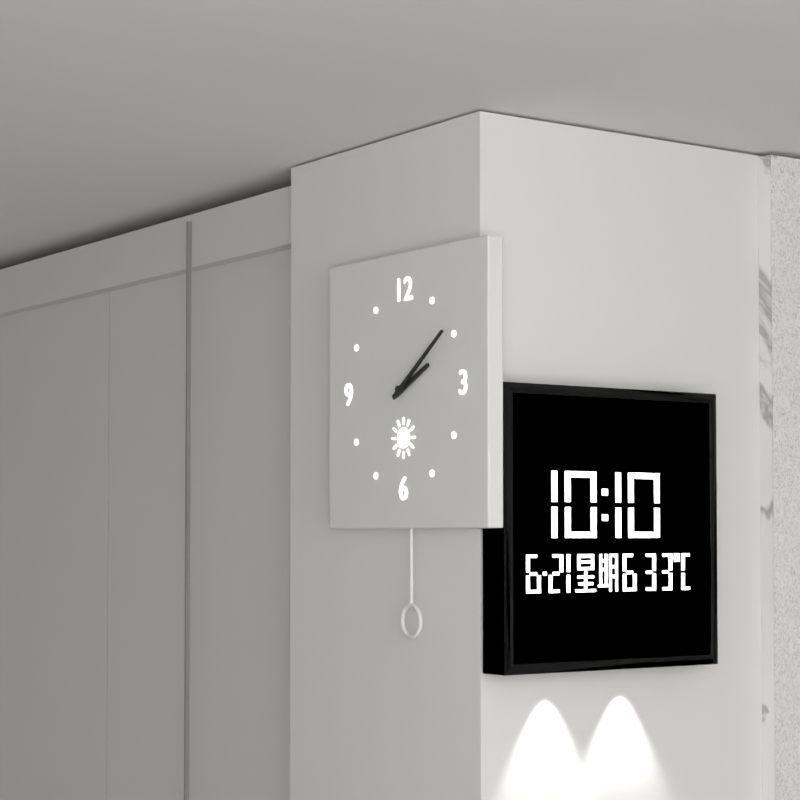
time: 2:09
